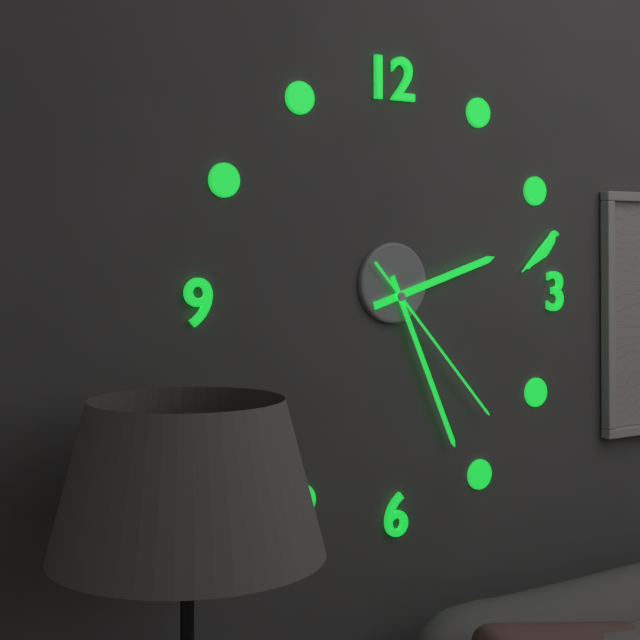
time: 2:26:23
